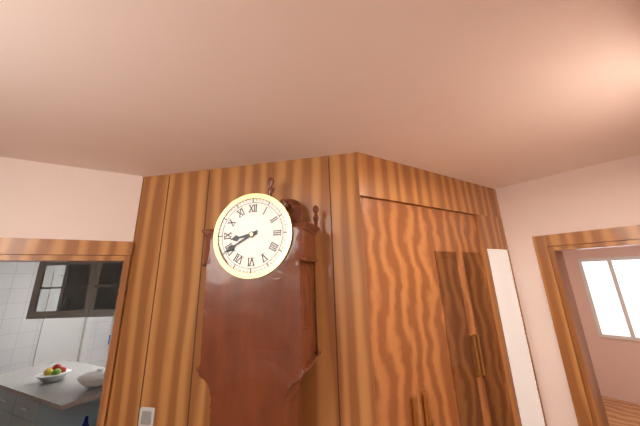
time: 8:40
